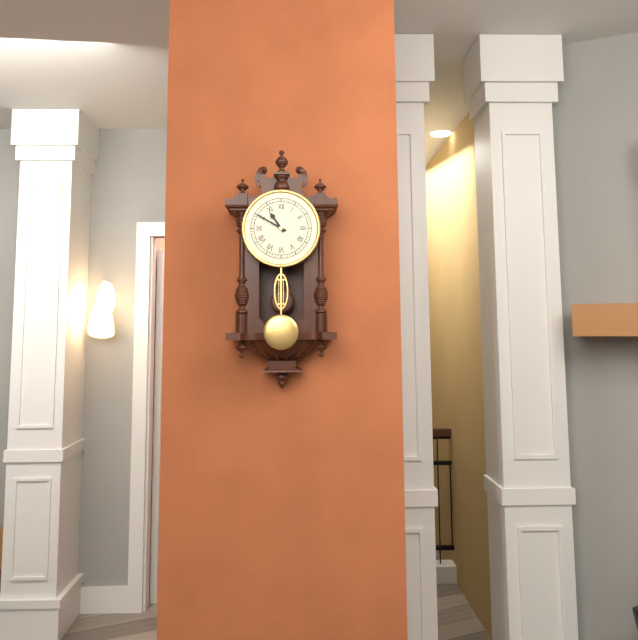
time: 10:50
